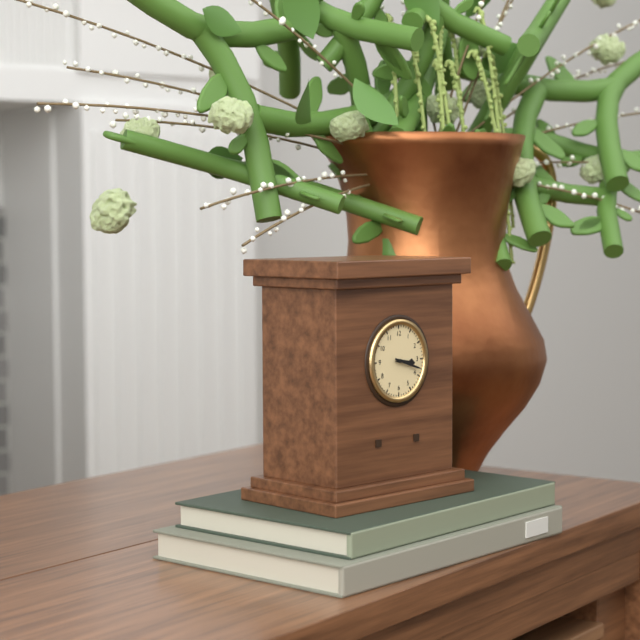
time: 3:18
